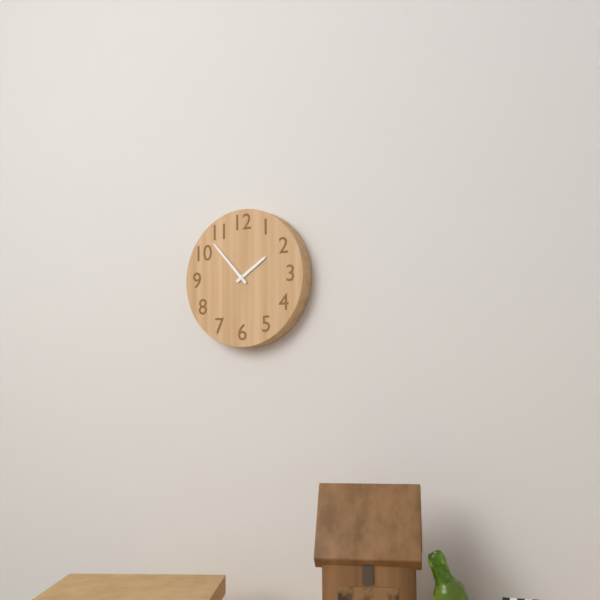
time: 1:53
